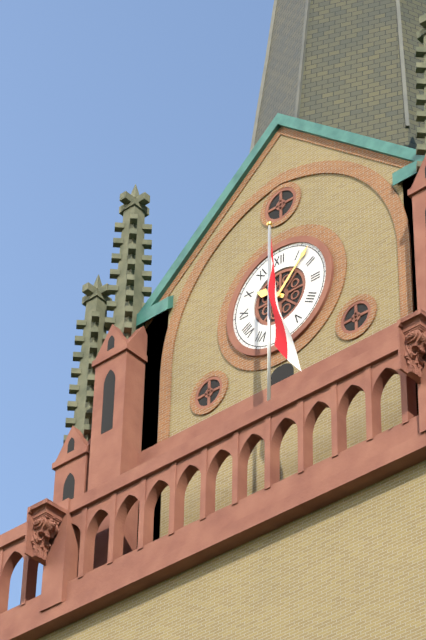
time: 10:07
